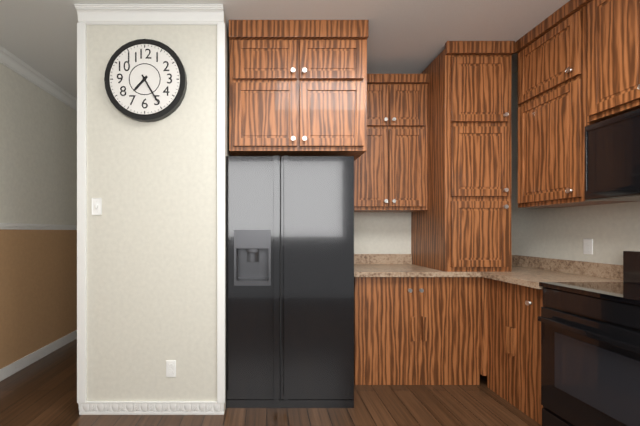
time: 7:25
